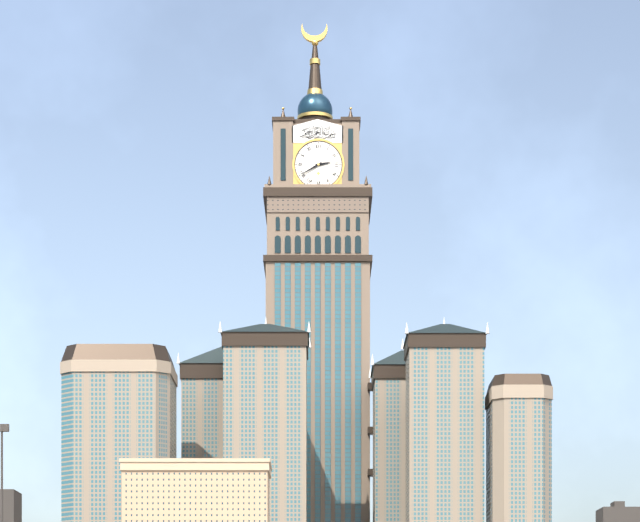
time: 2:40
